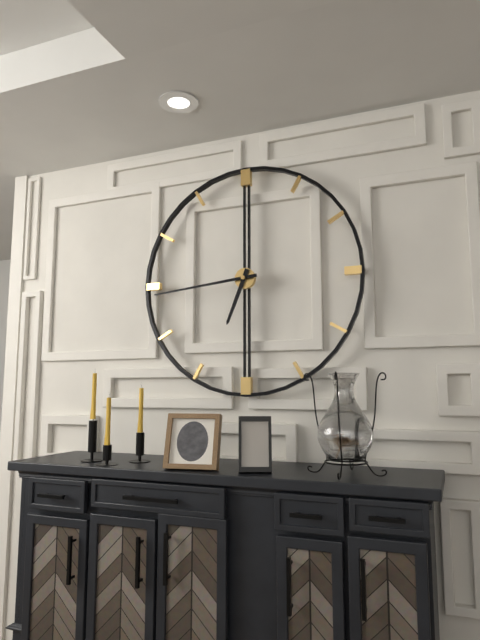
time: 6:44
